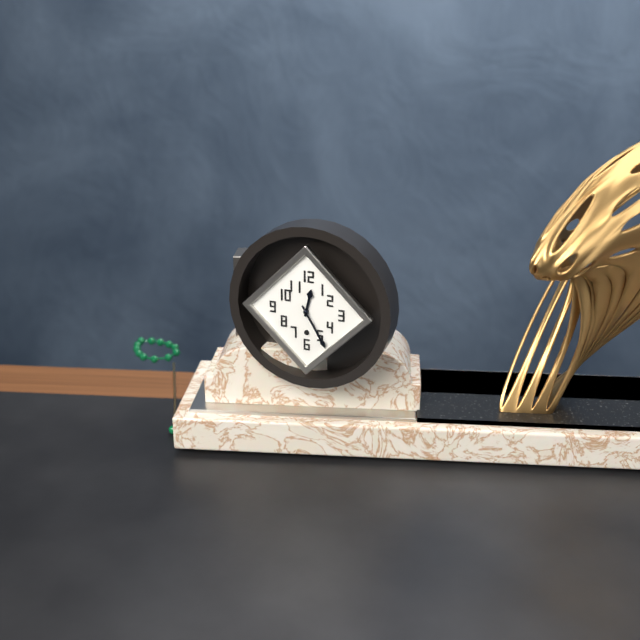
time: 12:25
